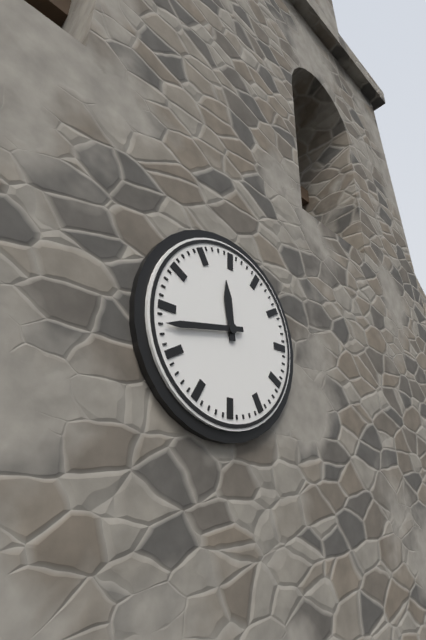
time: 11:43
